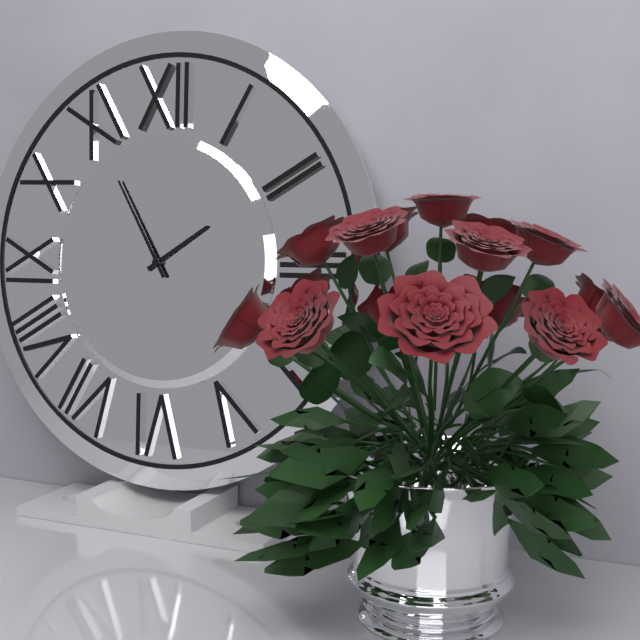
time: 1:55
